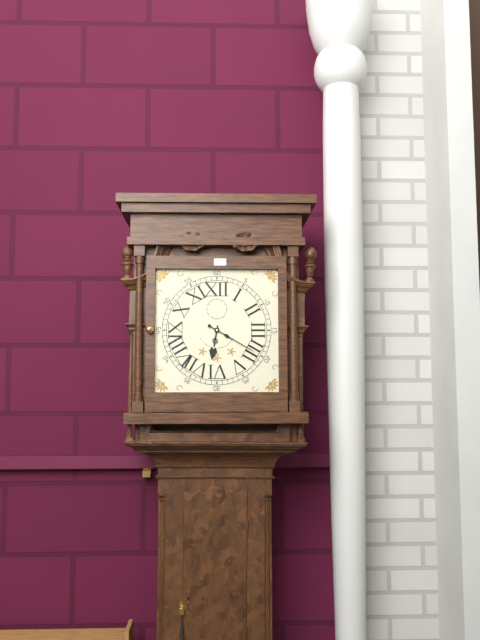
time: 6:20
